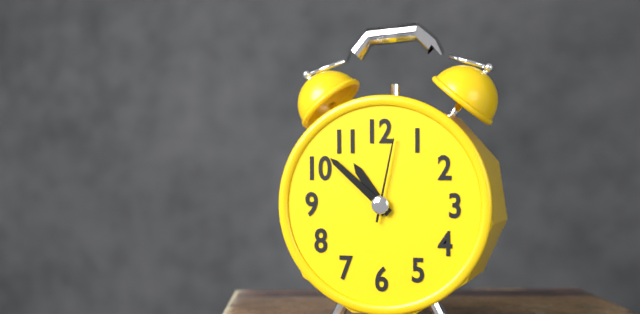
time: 10:52:02
